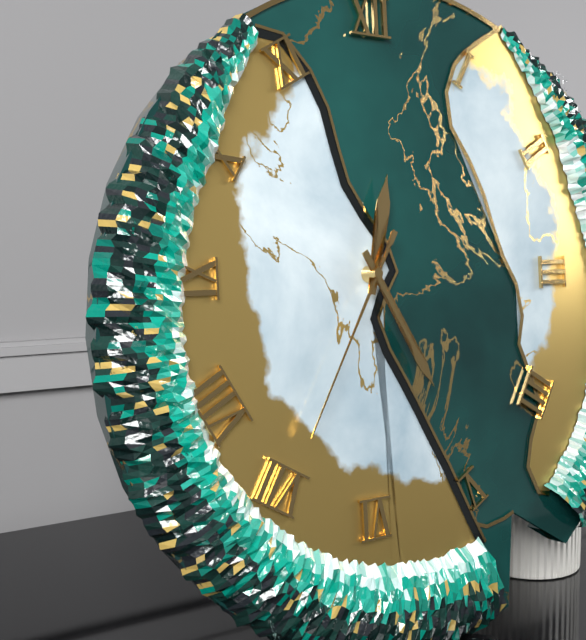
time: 12:25:35
